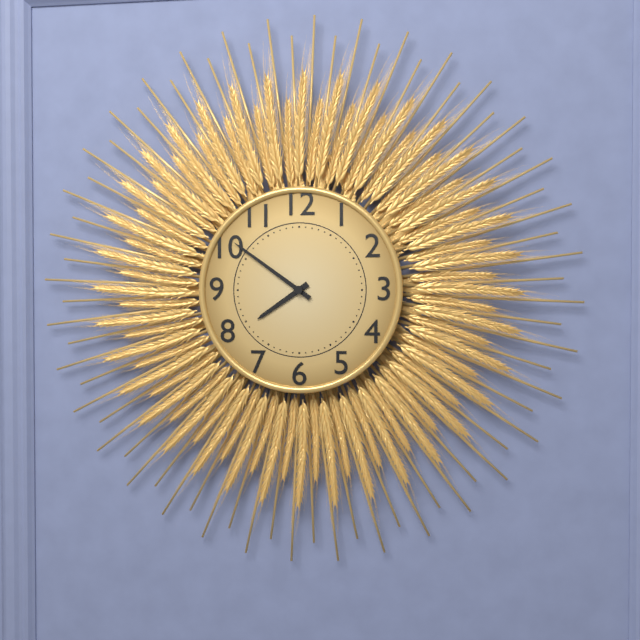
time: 7:51
